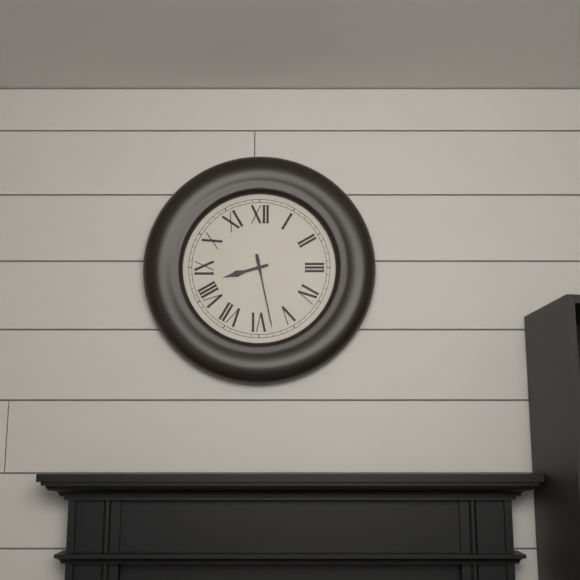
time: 8:28
